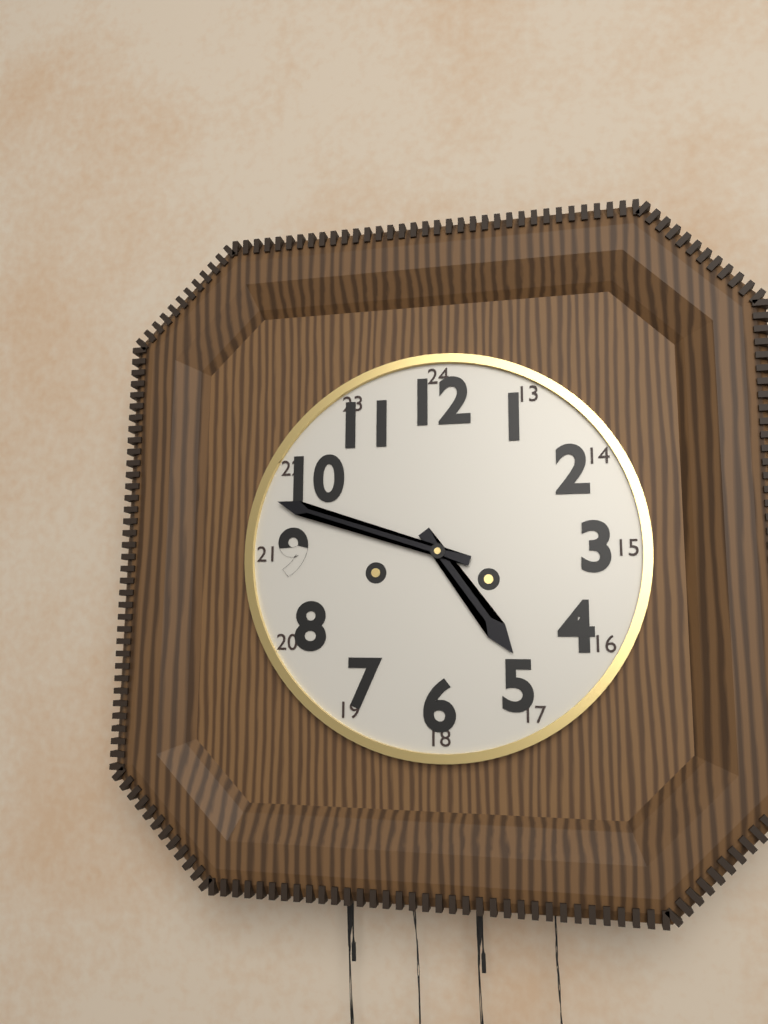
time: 4:48
